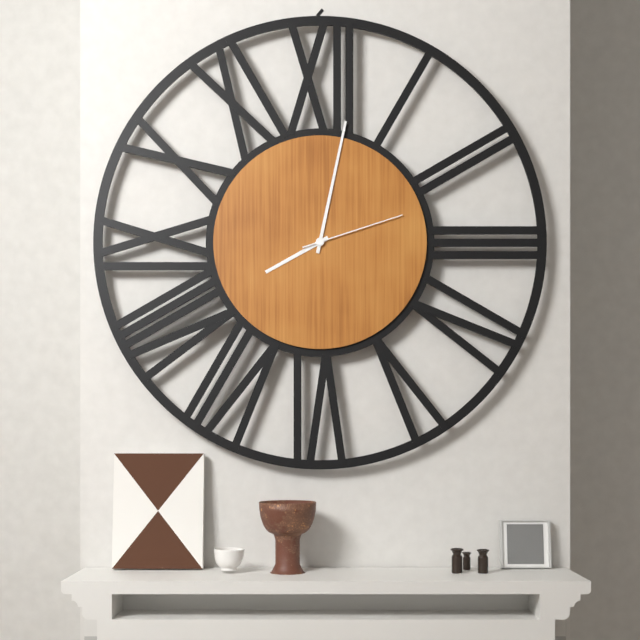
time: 8:02:12
